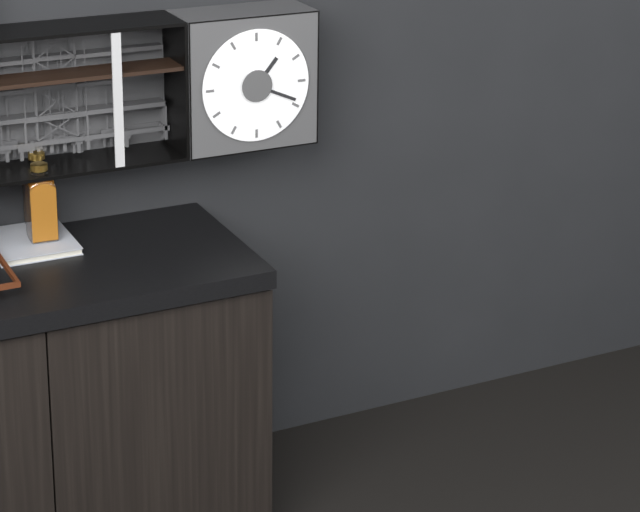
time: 1:19
